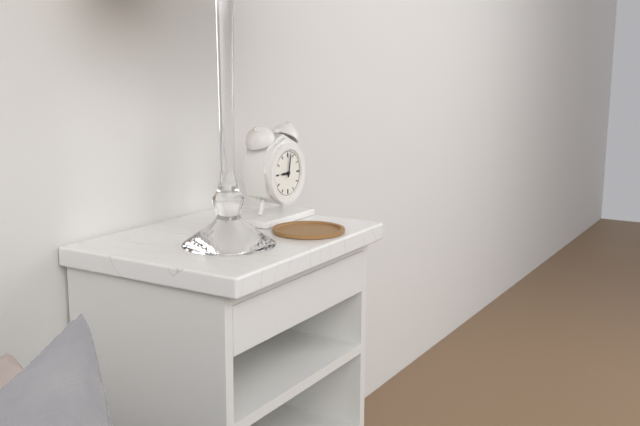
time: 9:02
